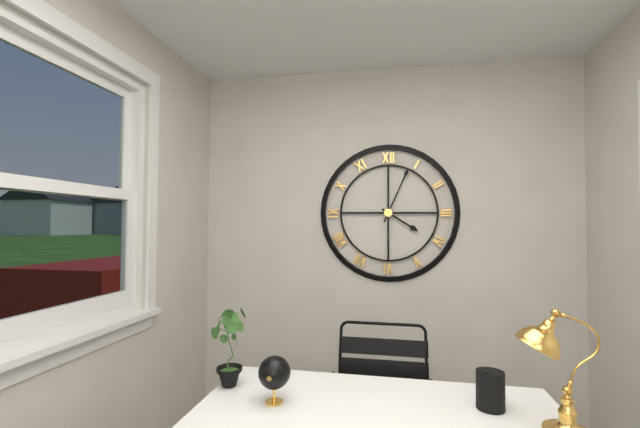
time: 4:04
